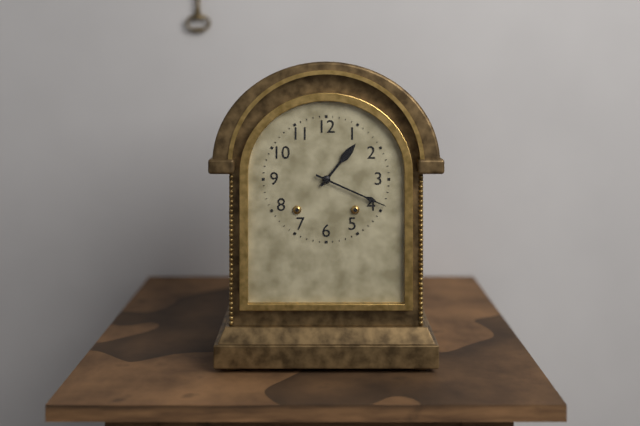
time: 1:19
